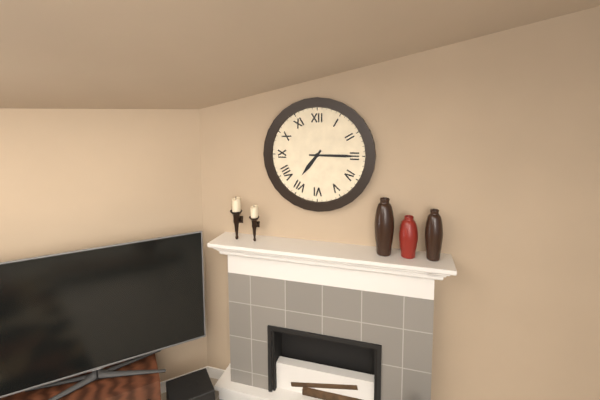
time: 7:15
